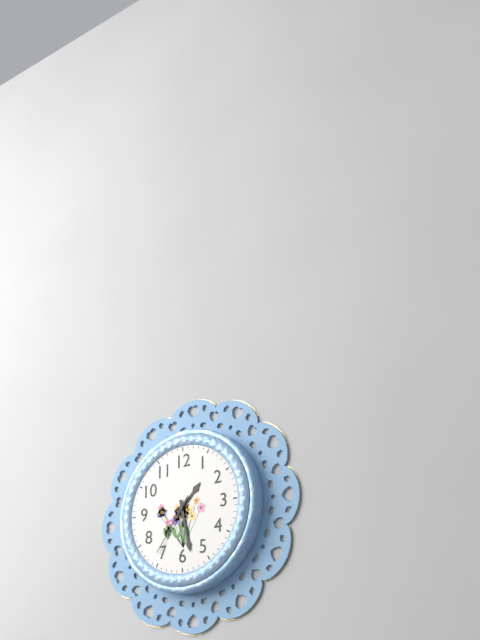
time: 1:28:36
